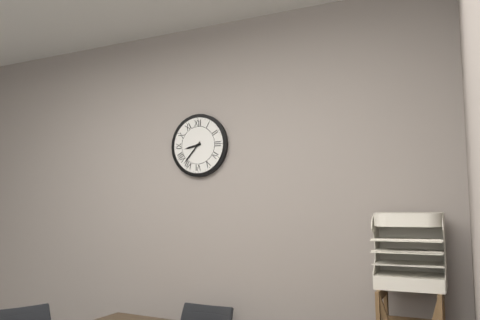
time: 8:37
